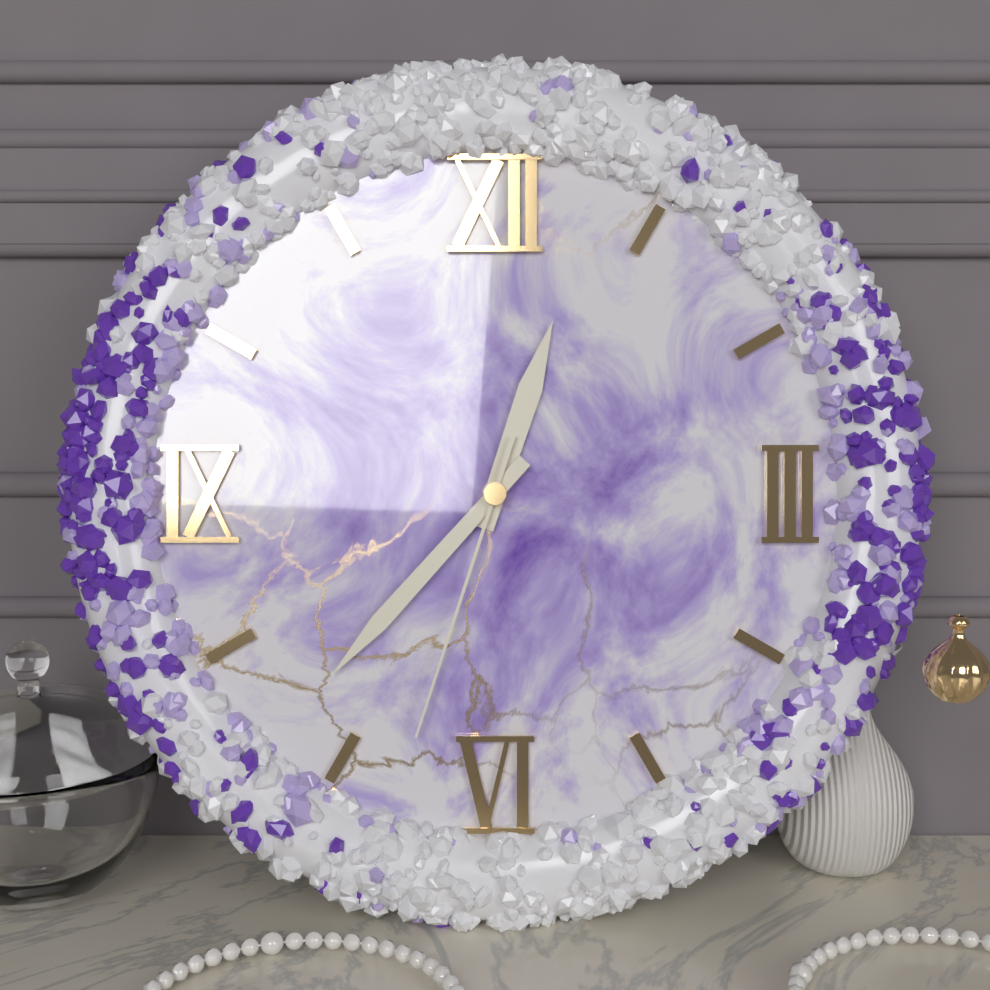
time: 12:37:33
